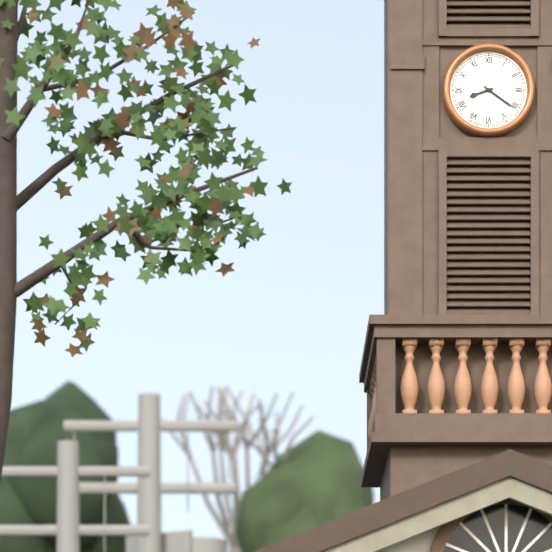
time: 8:21
